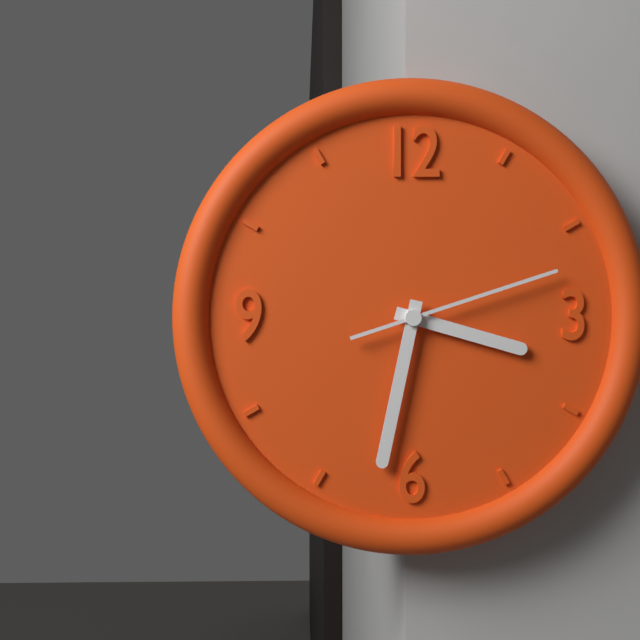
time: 3:32:12
